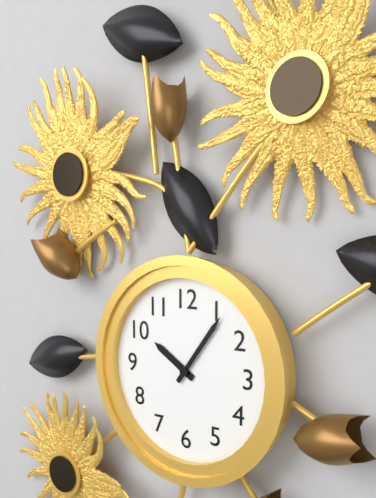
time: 10:06
